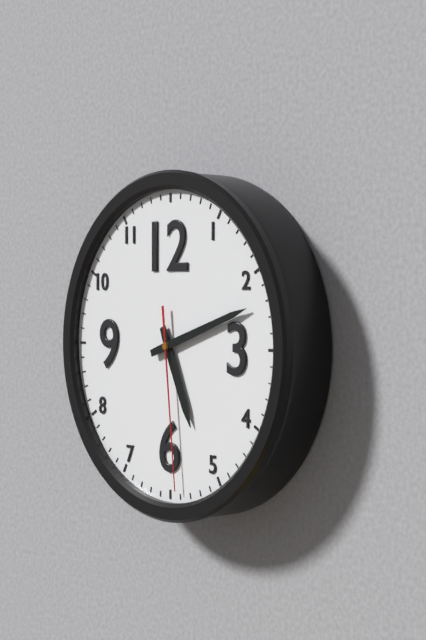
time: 5:12:29
